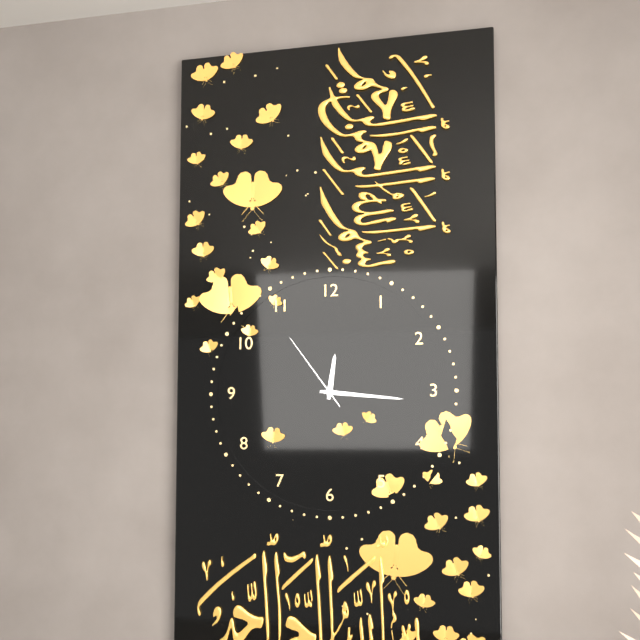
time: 12:16:54
